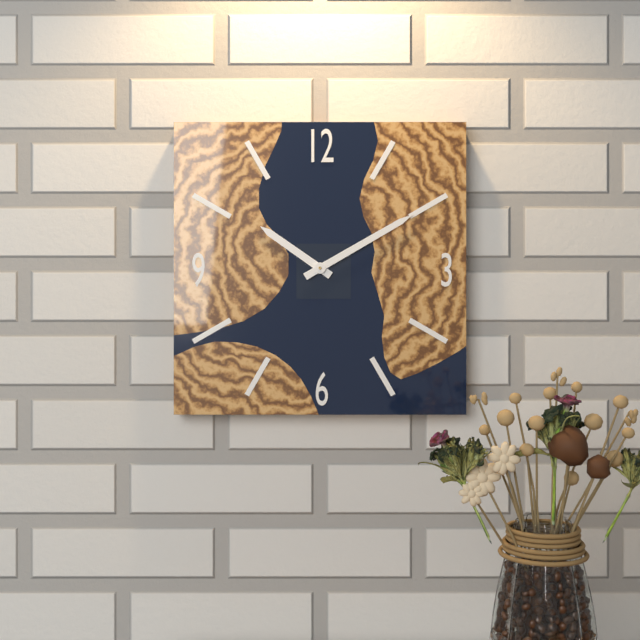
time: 10:10
